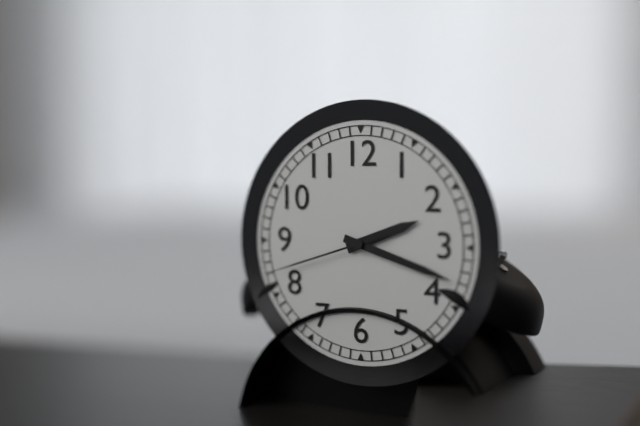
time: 2:18:42
